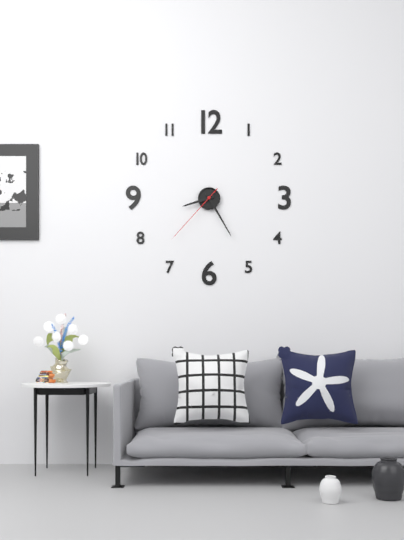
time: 8:25:37
